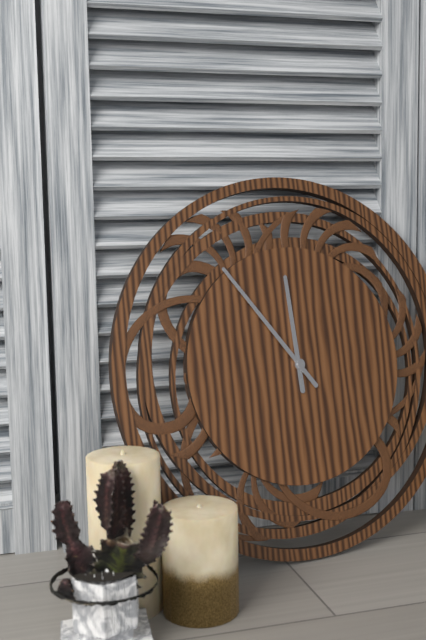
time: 11:54
